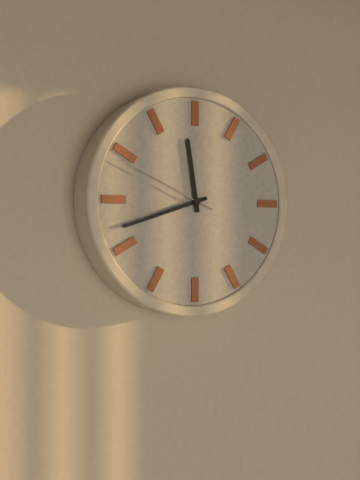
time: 11:42:49
